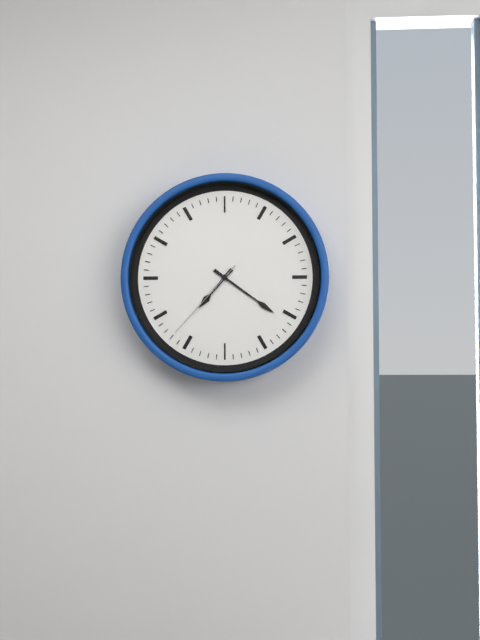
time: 7:21:37
